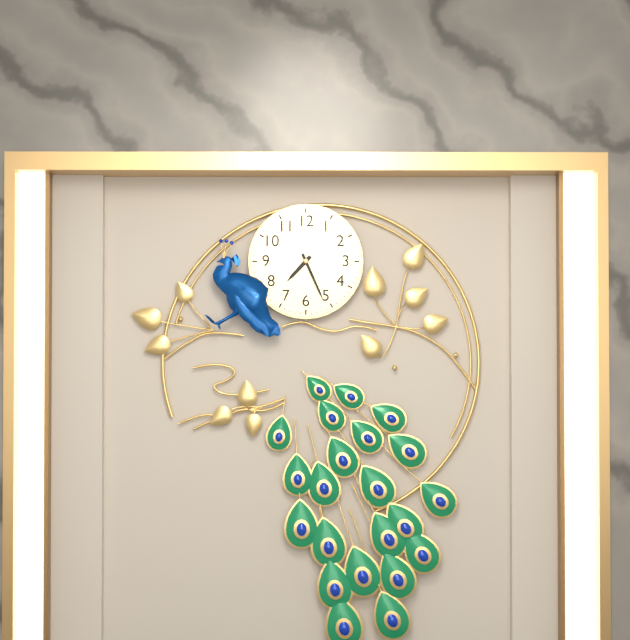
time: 7:26
